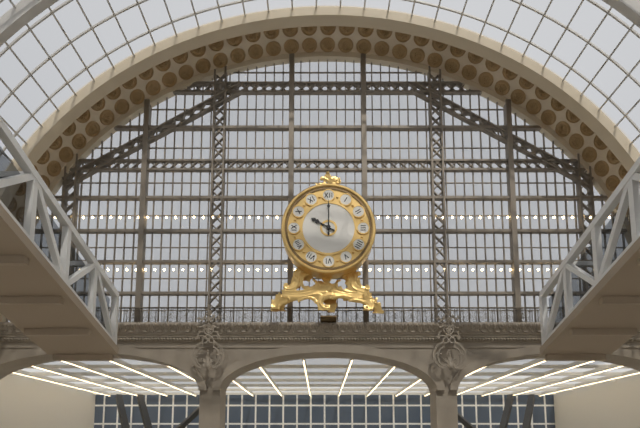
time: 10:00
